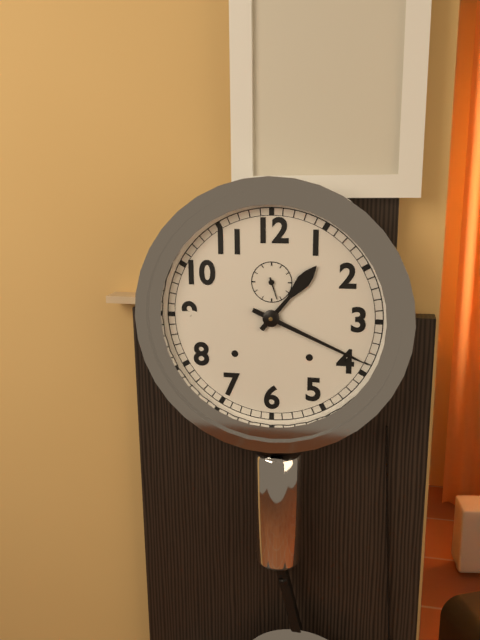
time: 1:19
